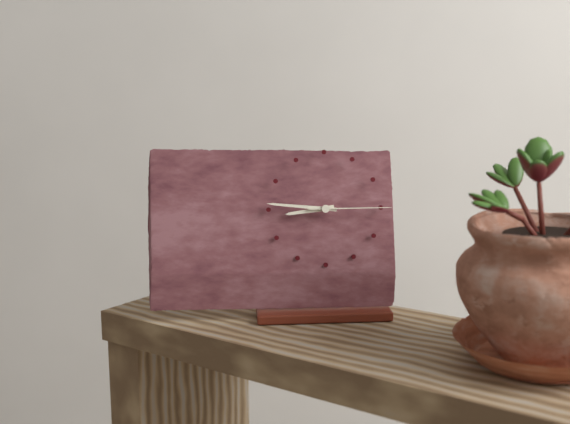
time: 8:46:15
